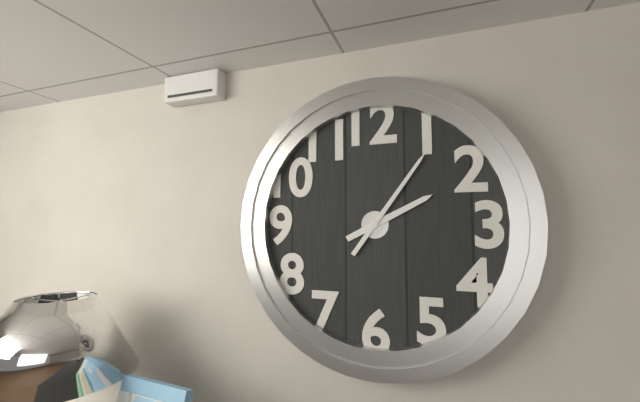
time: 2:06
